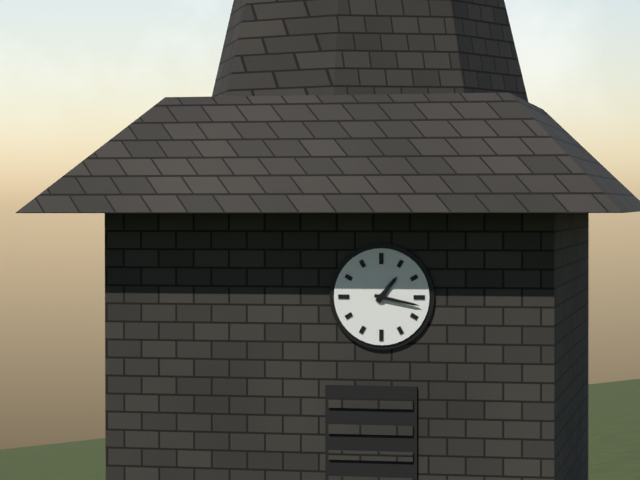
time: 1:17
